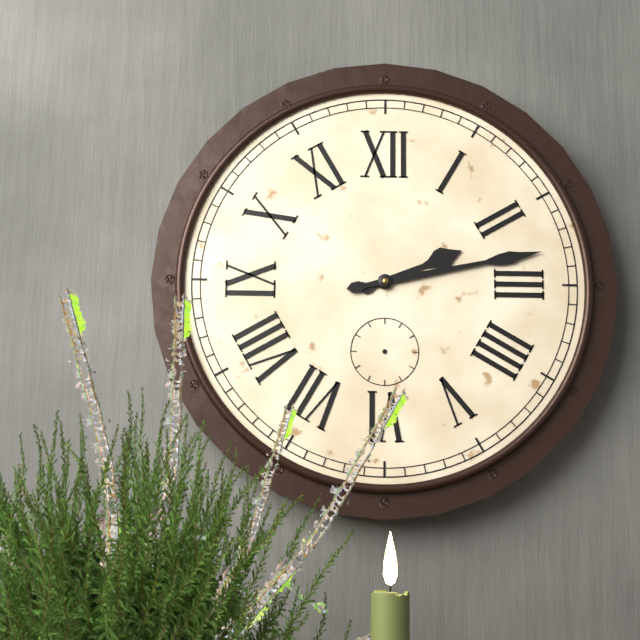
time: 2:13
